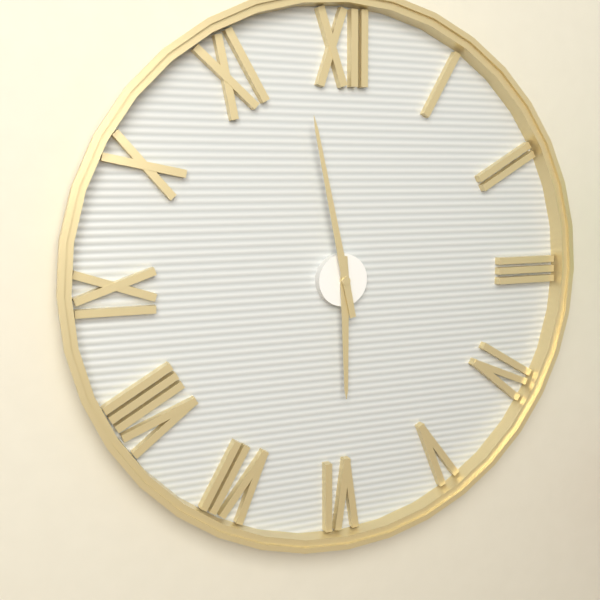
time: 5:58
